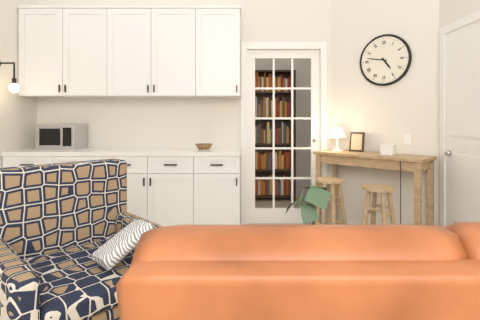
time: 4:47
